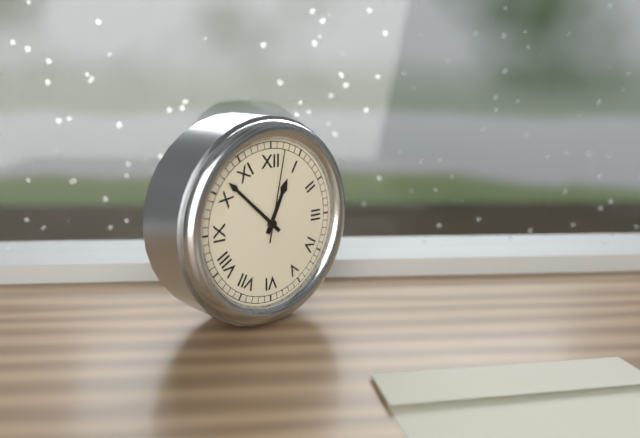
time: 12:52:02
